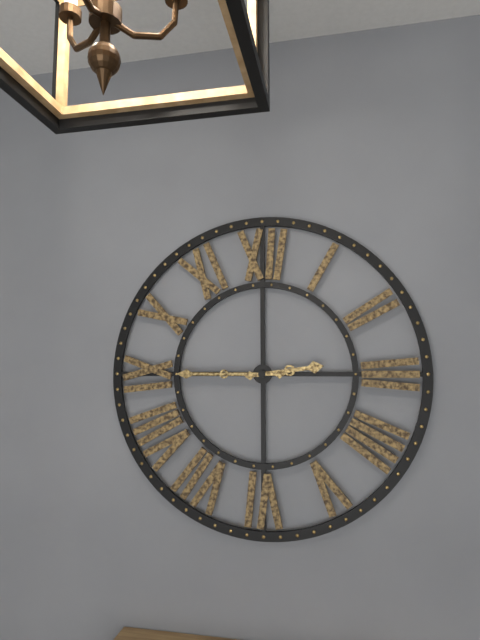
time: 2:45
